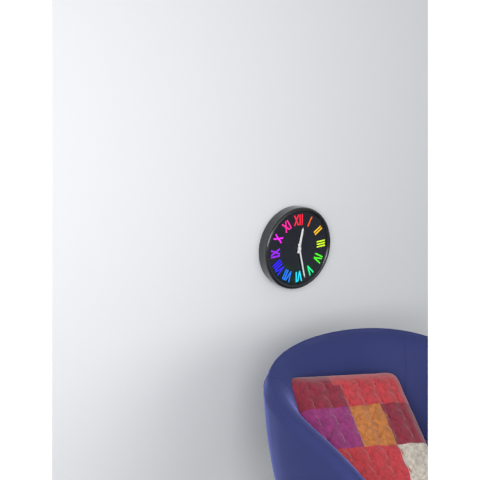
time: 12:28
